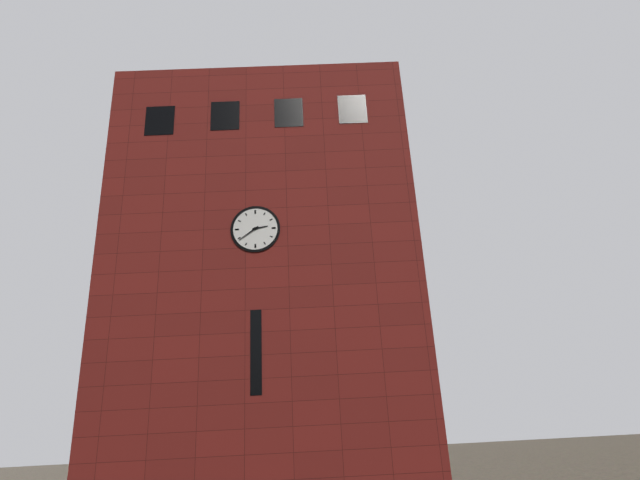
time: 2:39
